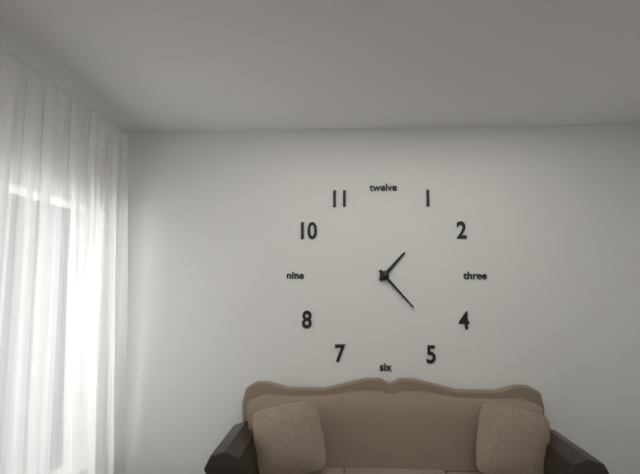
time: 1:23
